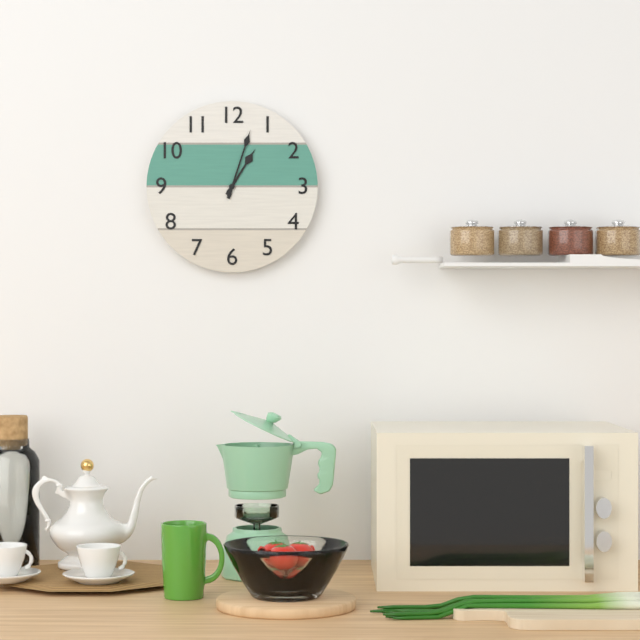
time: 1:03
